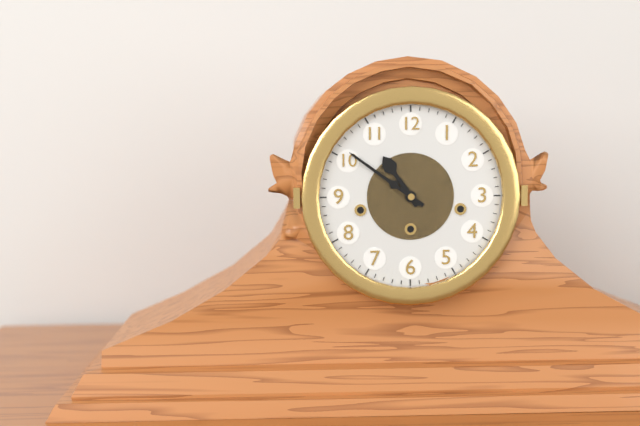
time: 10:51
